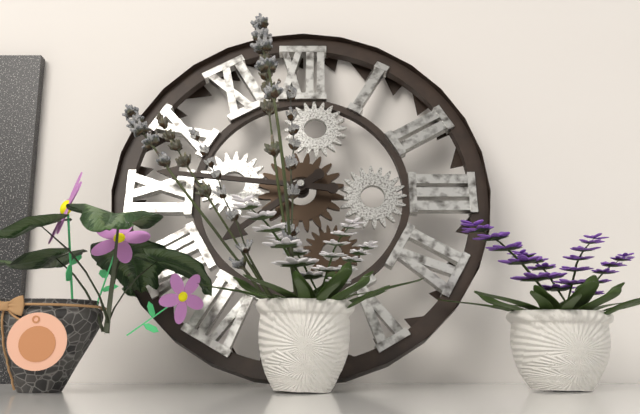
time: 7:46
